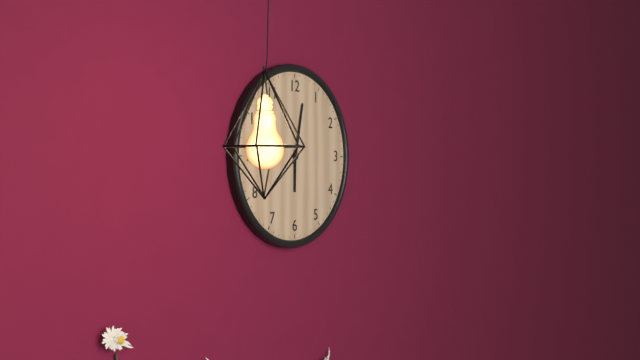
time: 6:02
